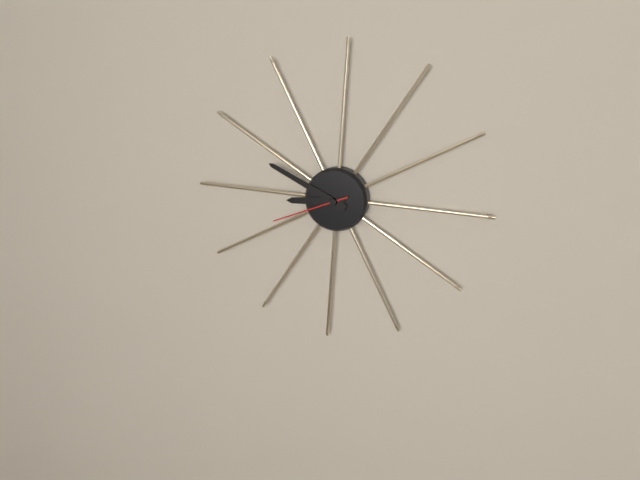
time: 8:49:41
